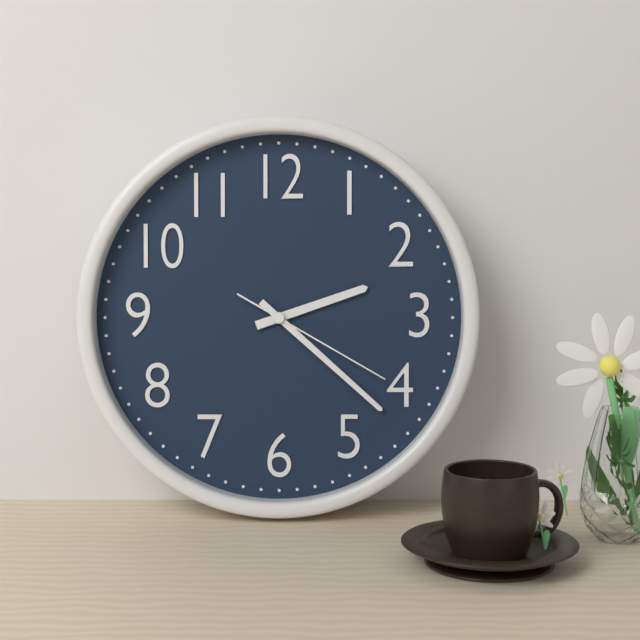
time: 2:22:20
